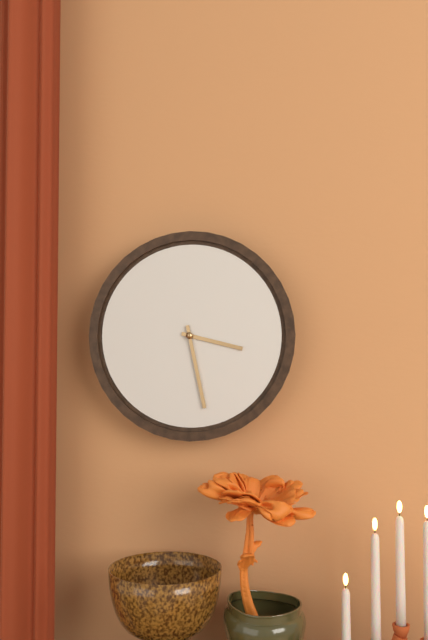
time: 3:28
